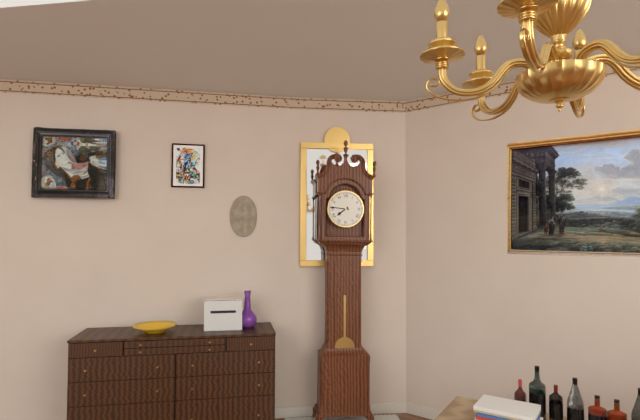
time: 7:46
